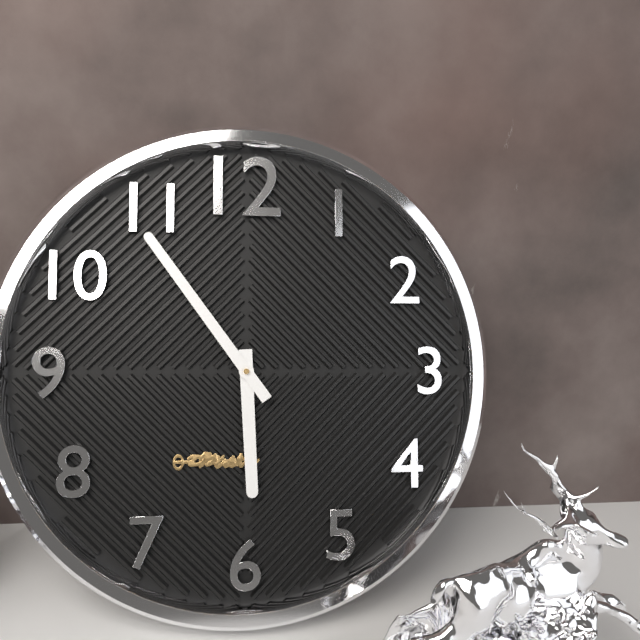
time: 5:54
